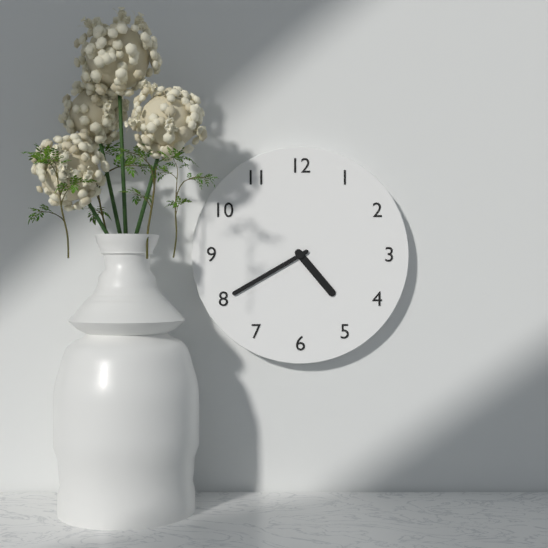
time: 4:40
